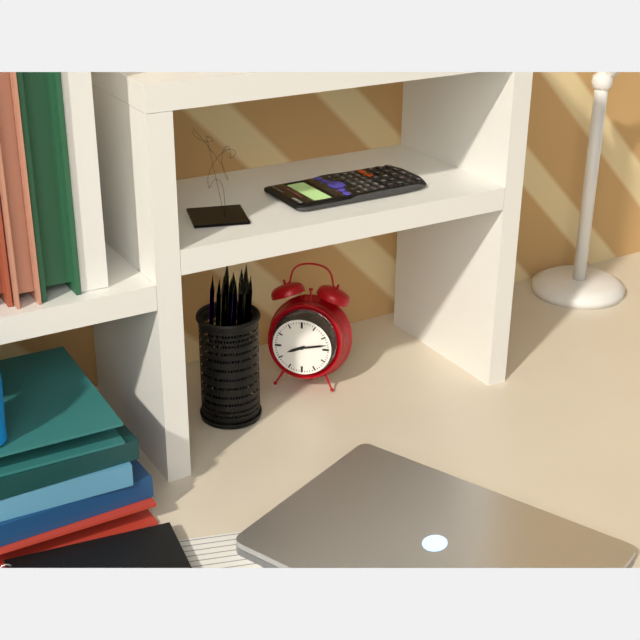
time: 8:13
